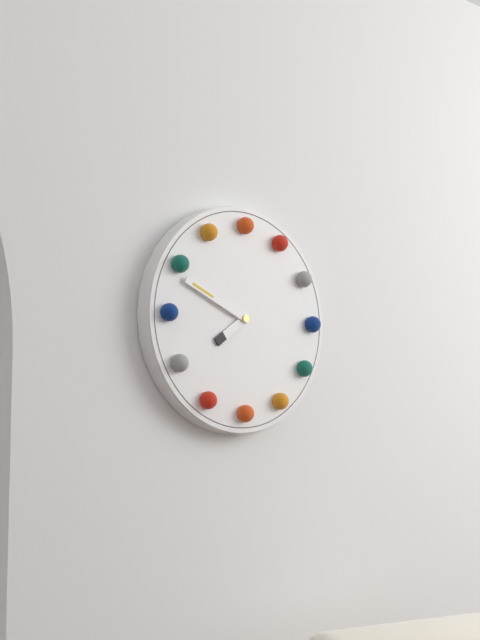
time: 7:49
